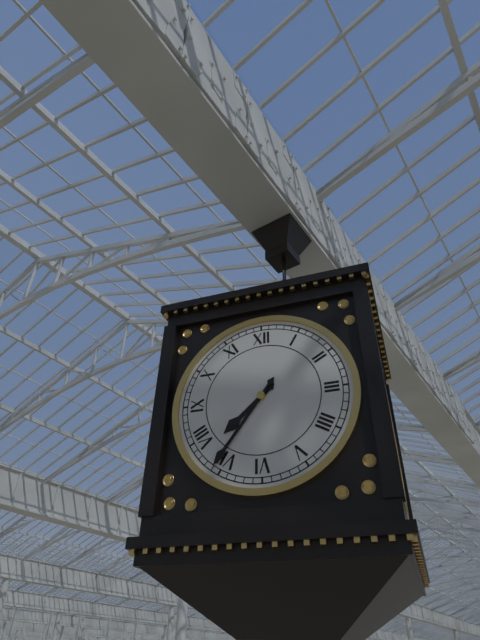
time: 7:36
